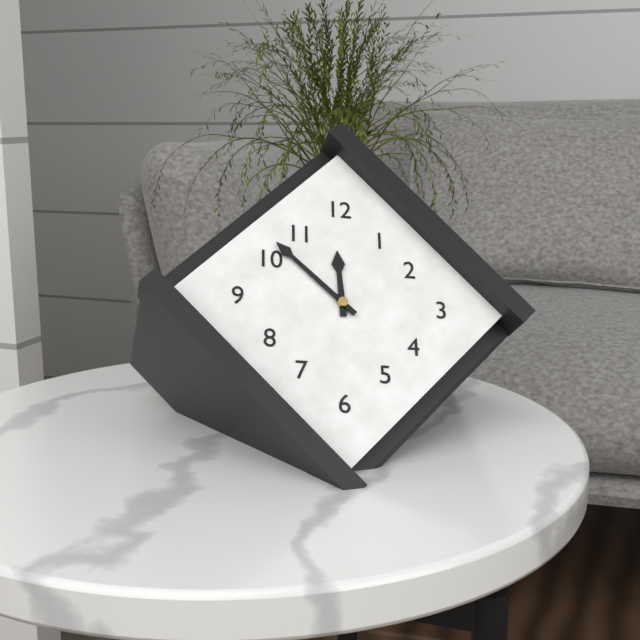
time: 11:52
